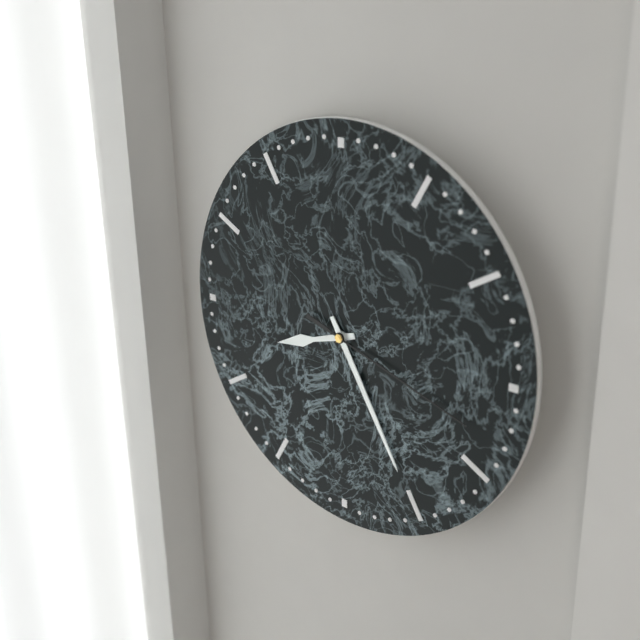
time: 8:25:18
